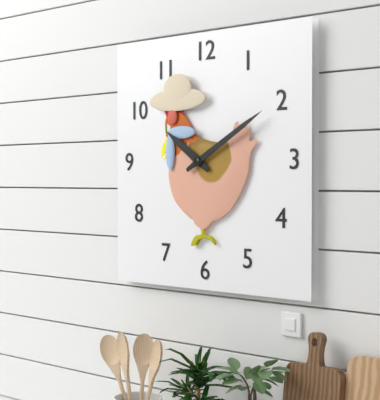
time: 10:10
